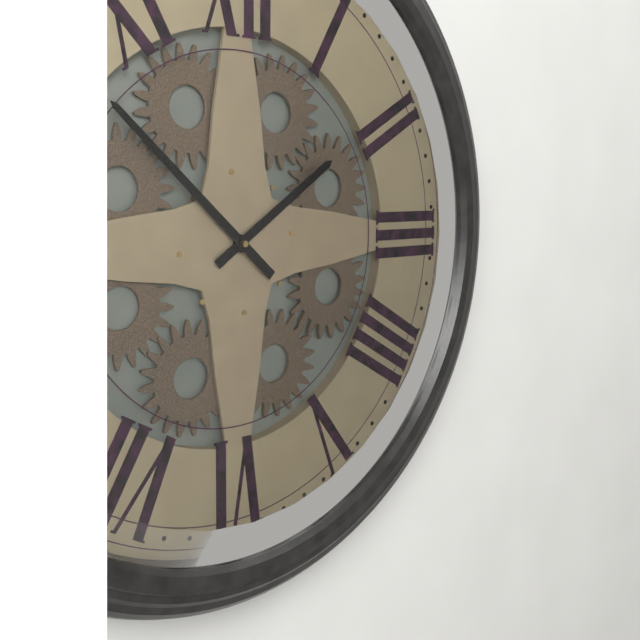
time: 1:52
